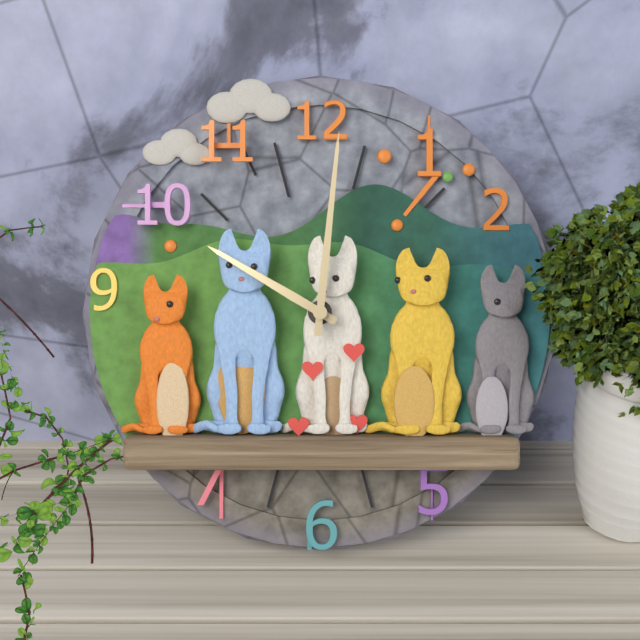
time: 10:01
